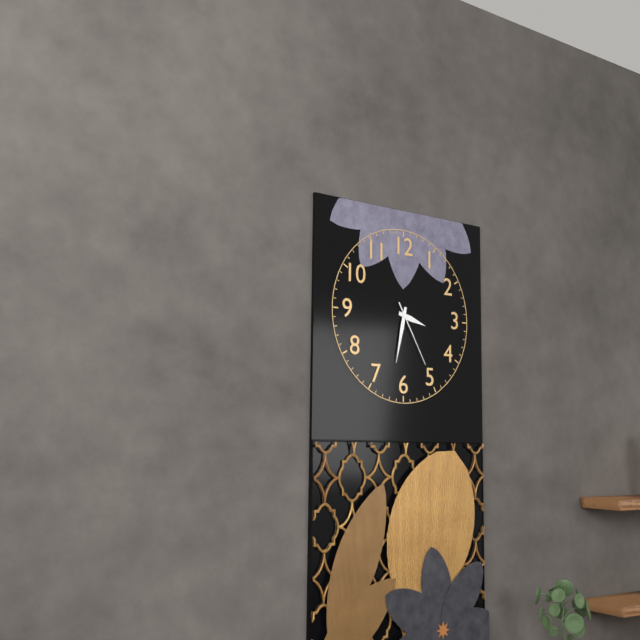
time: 3:32:25
